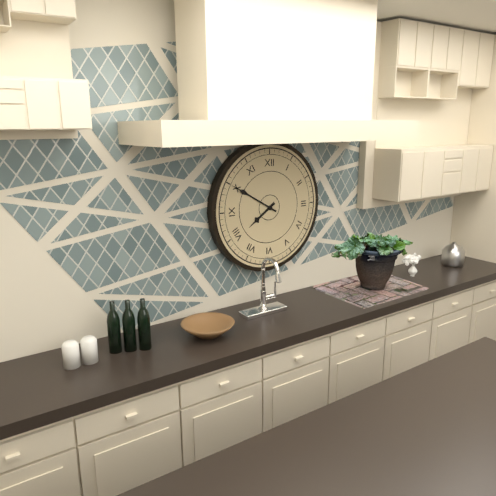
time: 7:50
